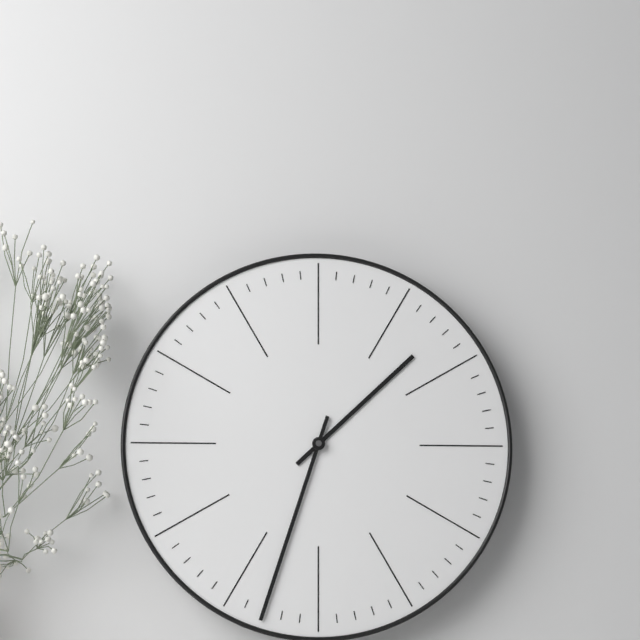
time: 1:33
